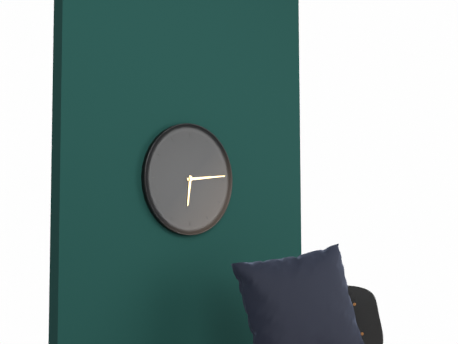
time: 6:14
